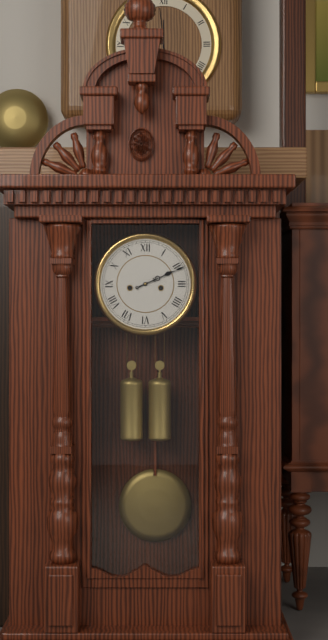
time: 2:11
